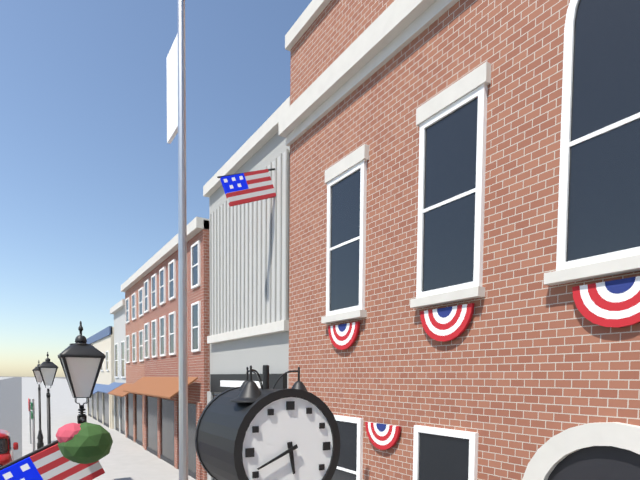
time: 5:41
